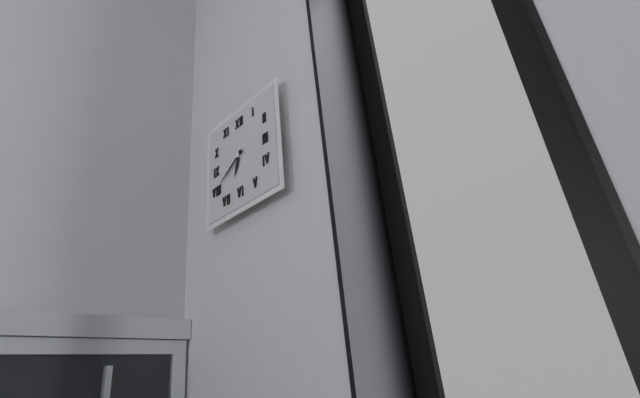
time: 6:40
